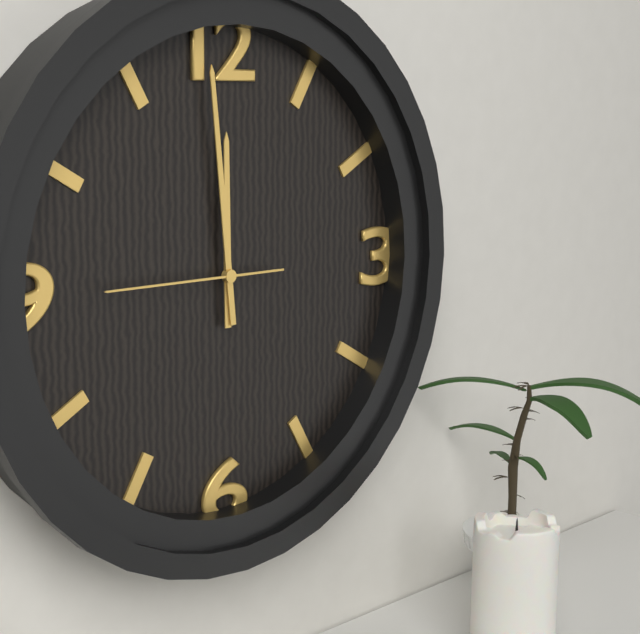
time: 11:59:45
